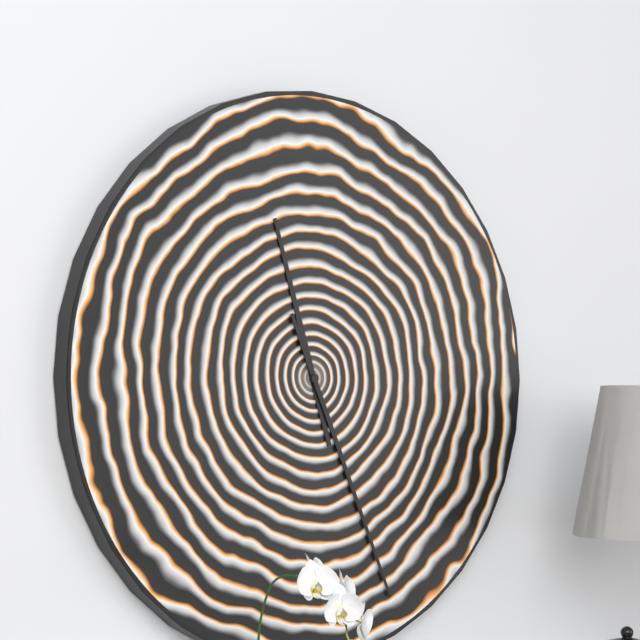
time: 11:26
